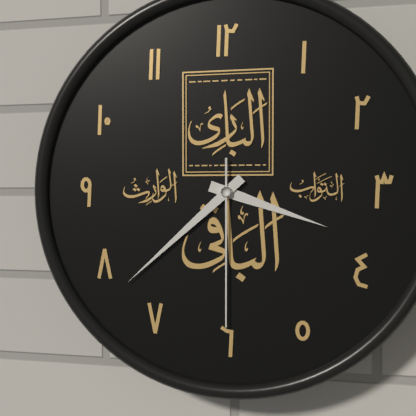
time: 3:38:30
